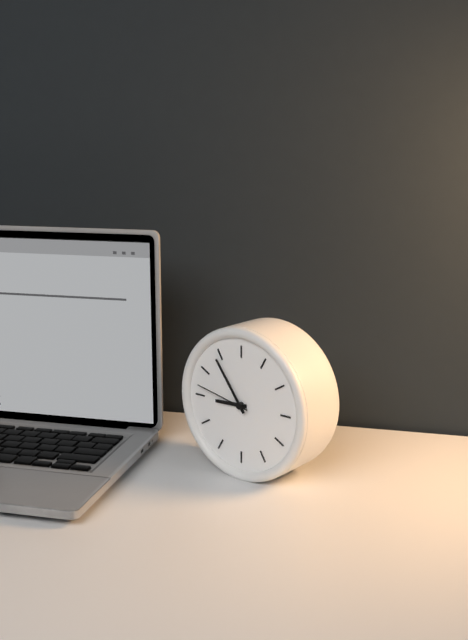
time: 8:54:47
